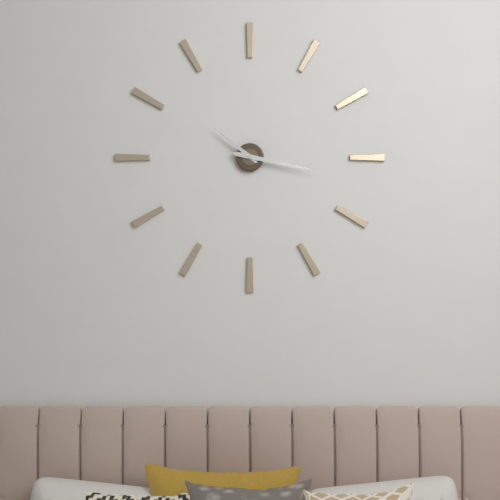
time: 10:17
